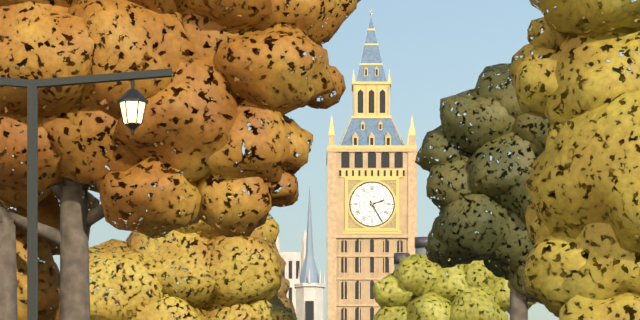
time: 2:25
